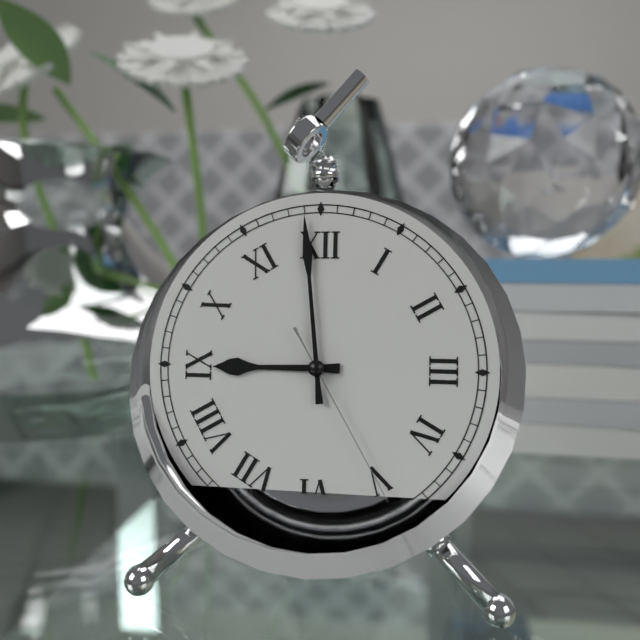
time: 8:59:25
